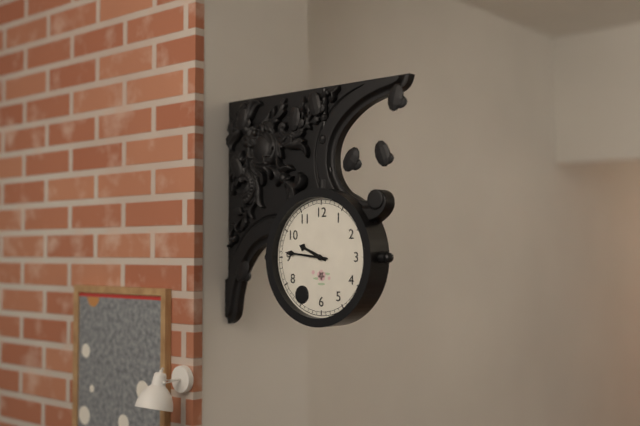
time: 9:46
